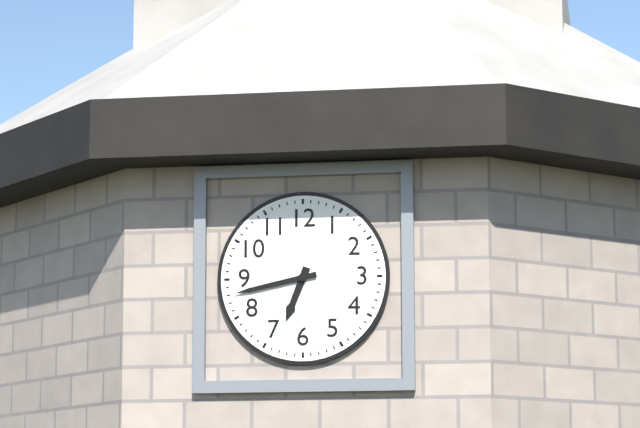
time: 6:43
